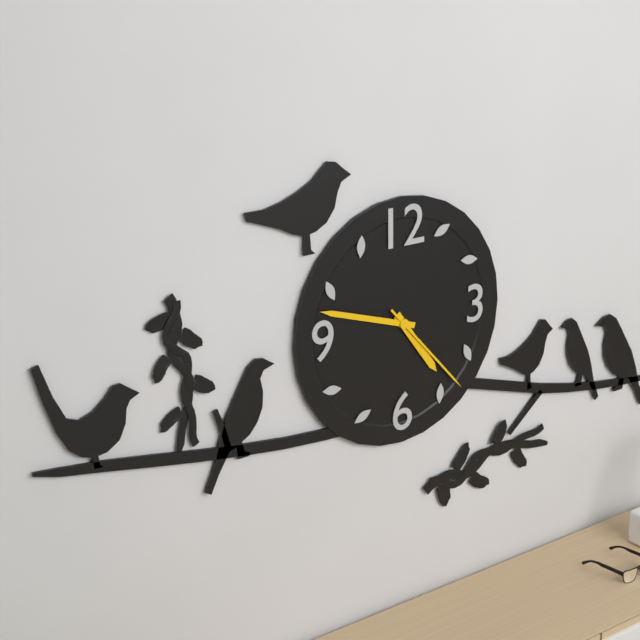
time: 4:48:23
